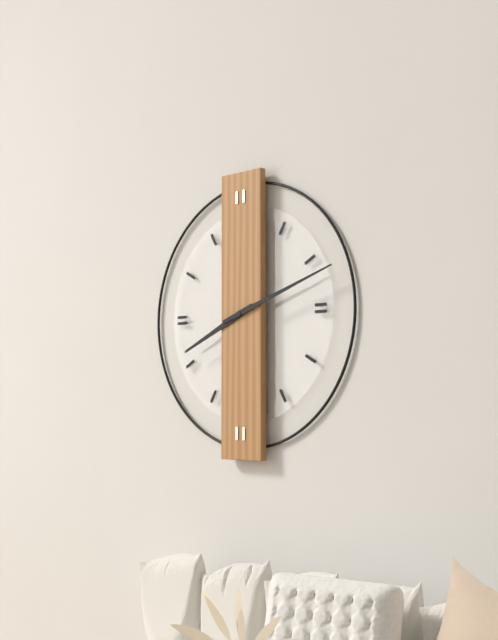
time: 8:12
